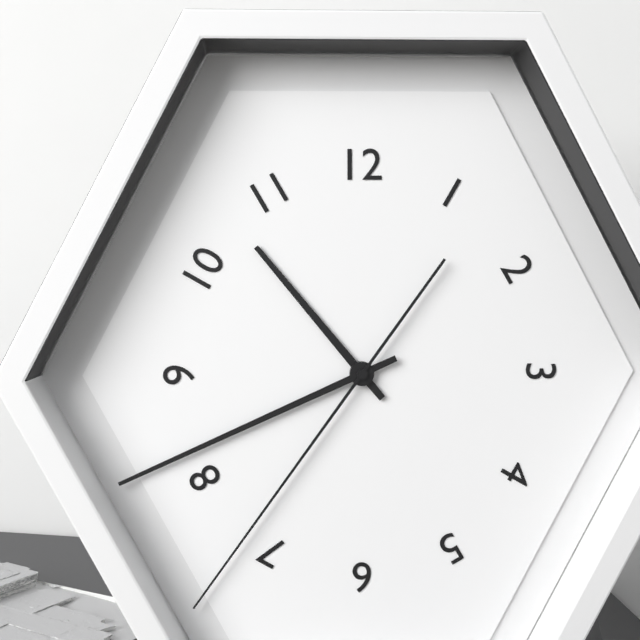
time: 10:41:36
